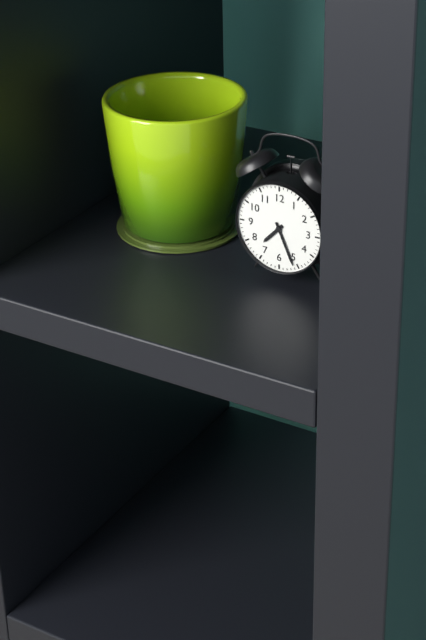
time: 7:26
